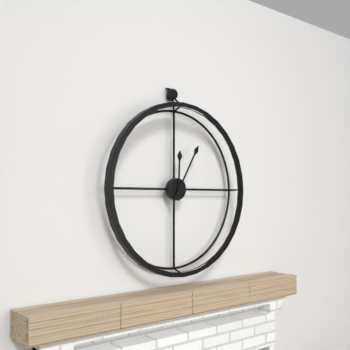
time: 12:05
